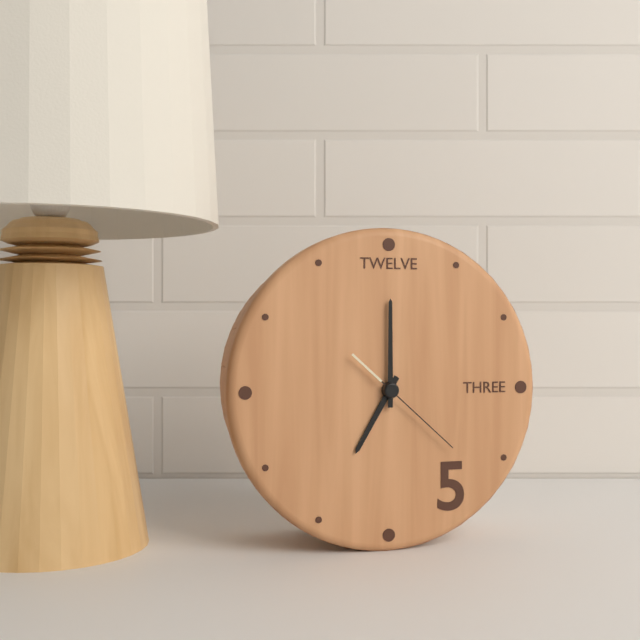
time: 7:00:22
